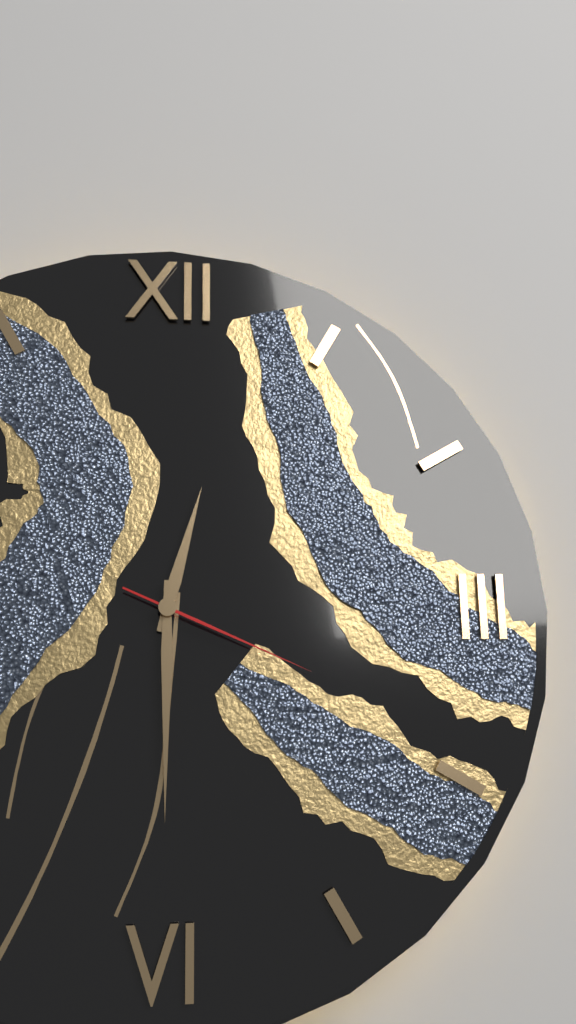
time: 12:30:19
